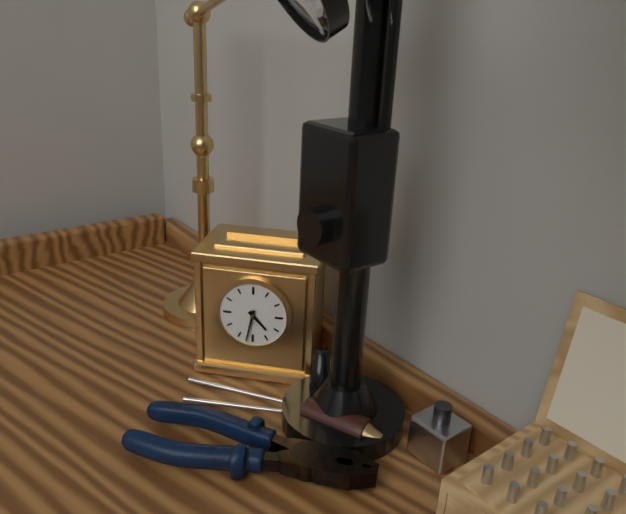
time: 4:32
